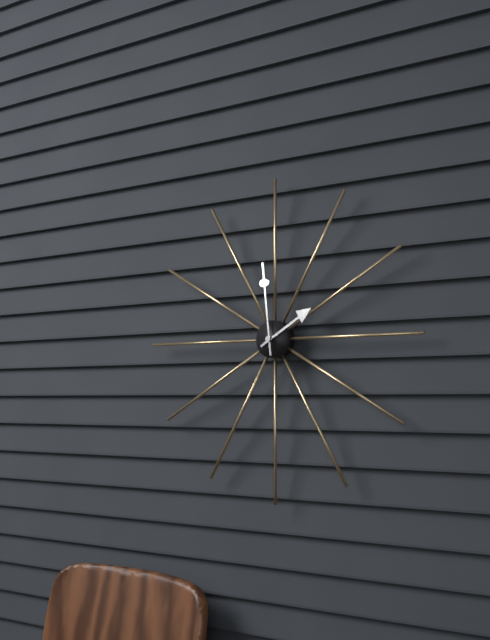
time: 1:59
